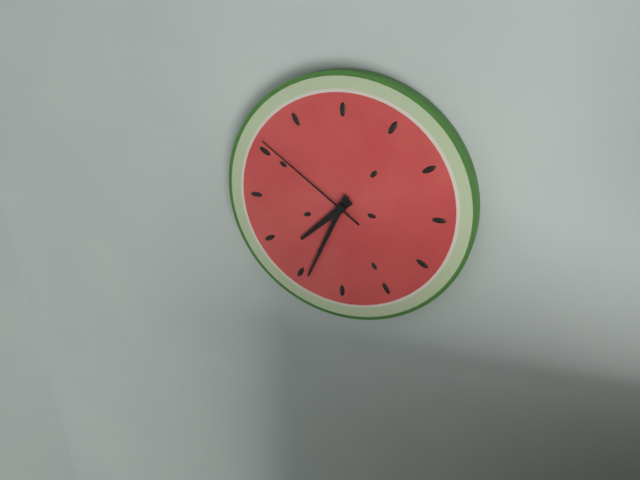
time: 7:34:51
